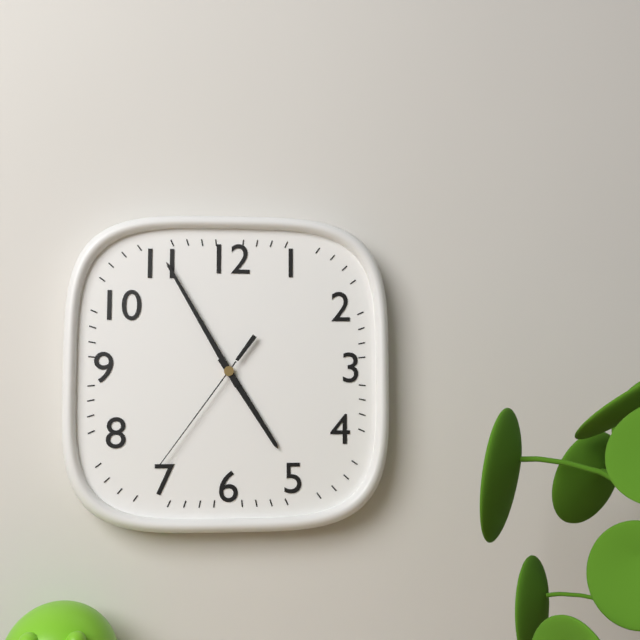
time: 4:55:36
